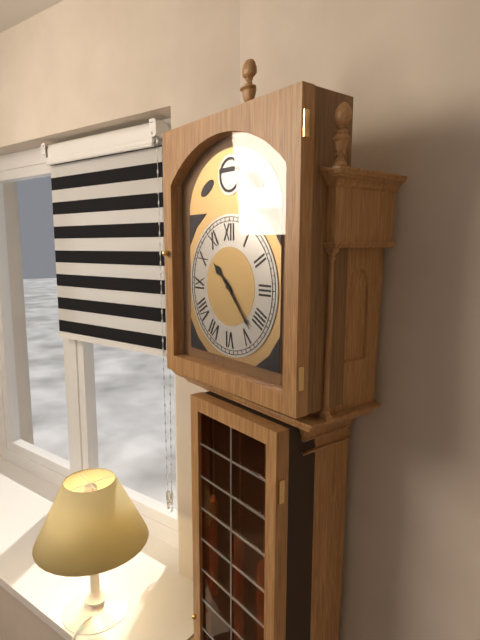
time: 10:23
